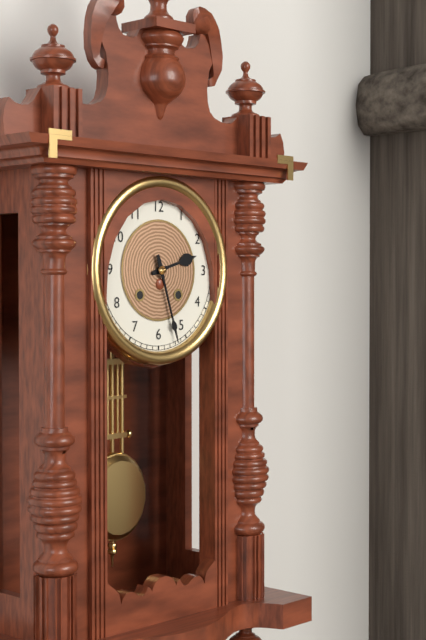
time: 2:27
